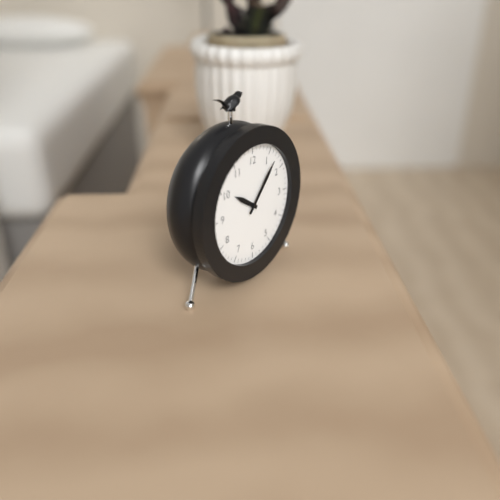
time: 10:07
